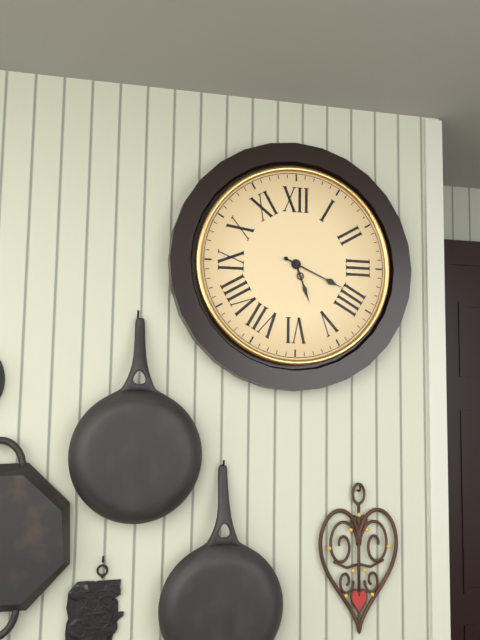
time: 5:19
